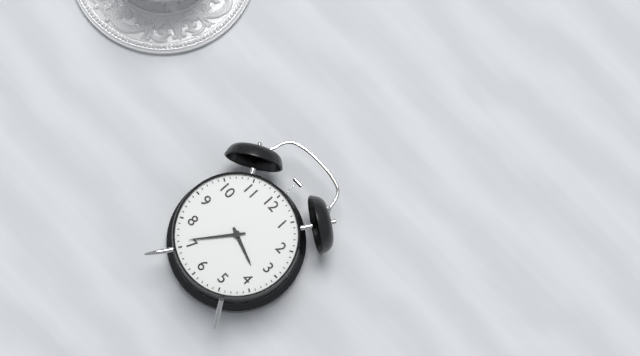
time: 3:36
